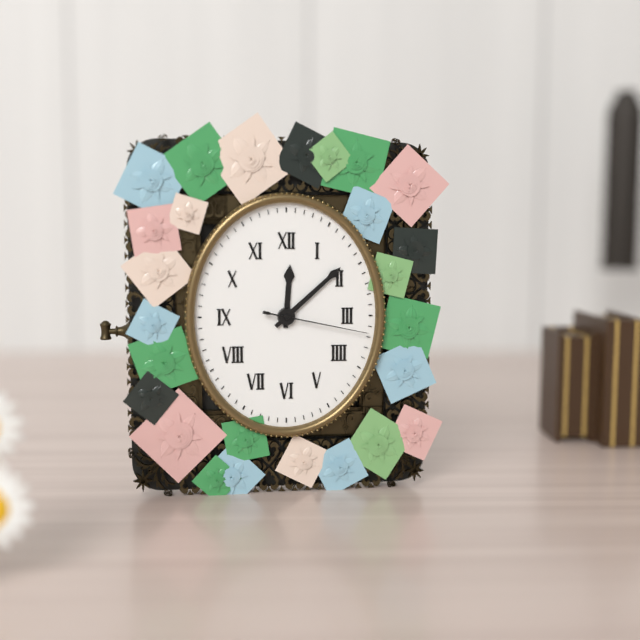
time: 12:08:17
